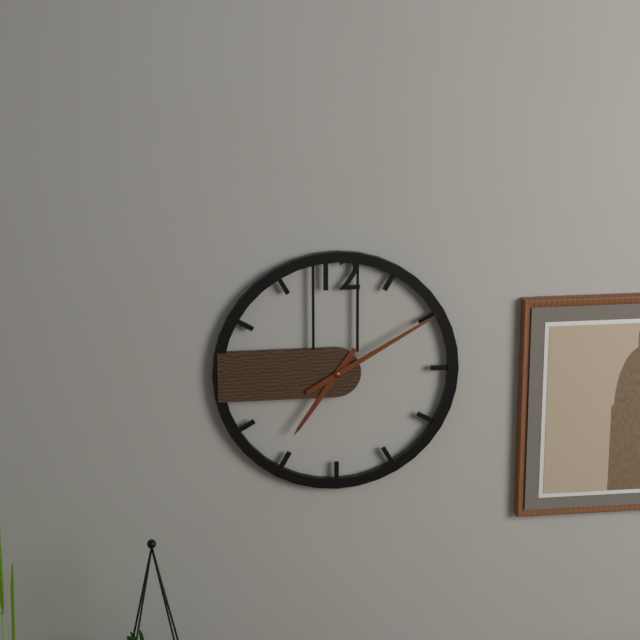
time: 7:10
